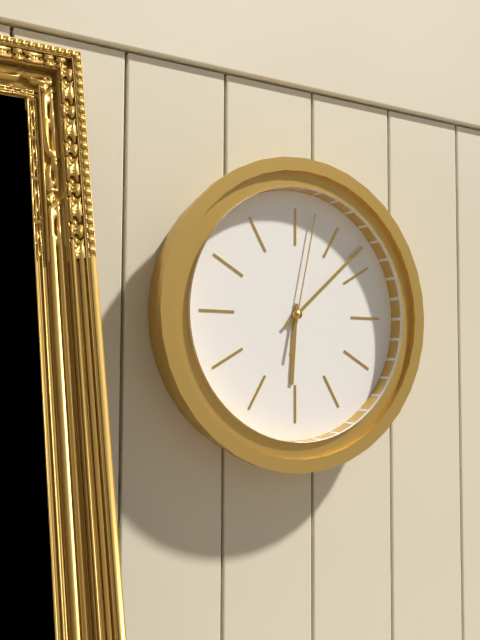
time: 6:08:02
